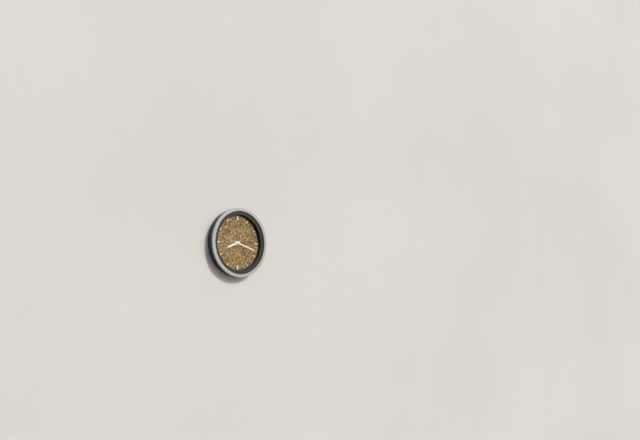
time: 8:18
